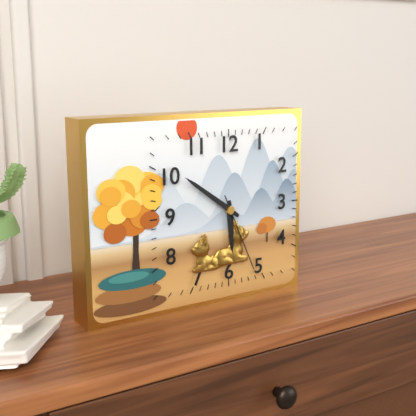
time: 5:51:26
